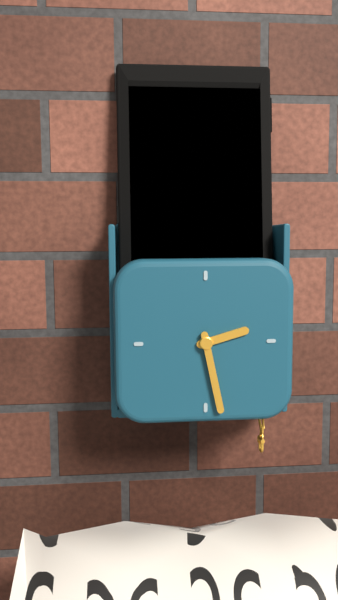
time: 2:28
